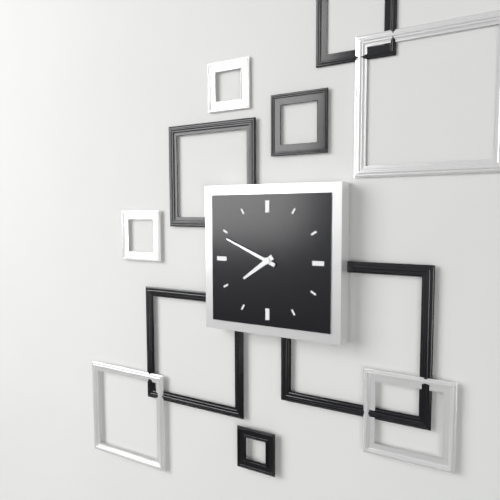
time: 7:49
